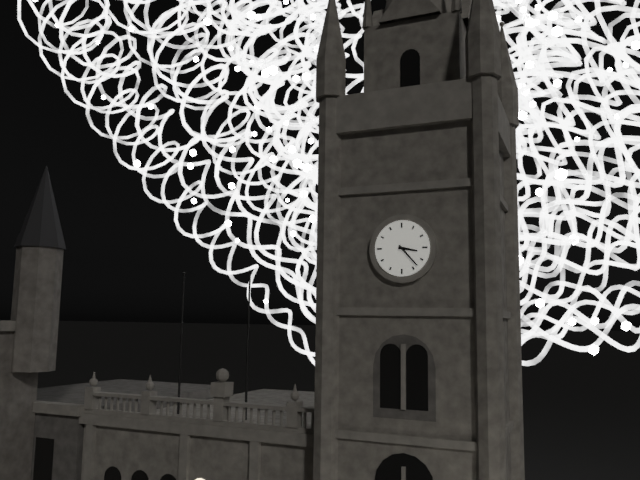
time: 3:23
